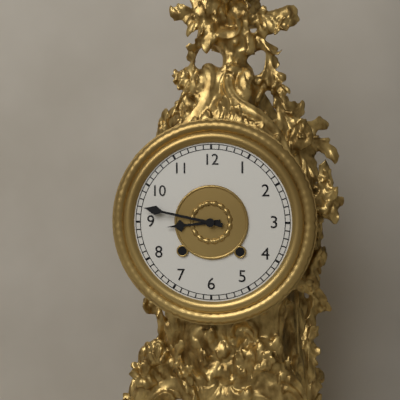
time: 8:47
